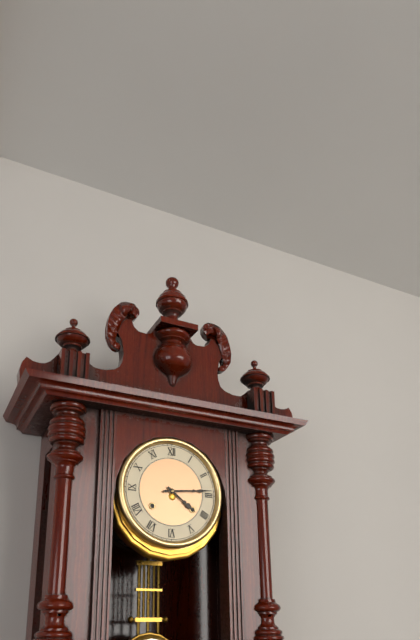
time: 4:14
